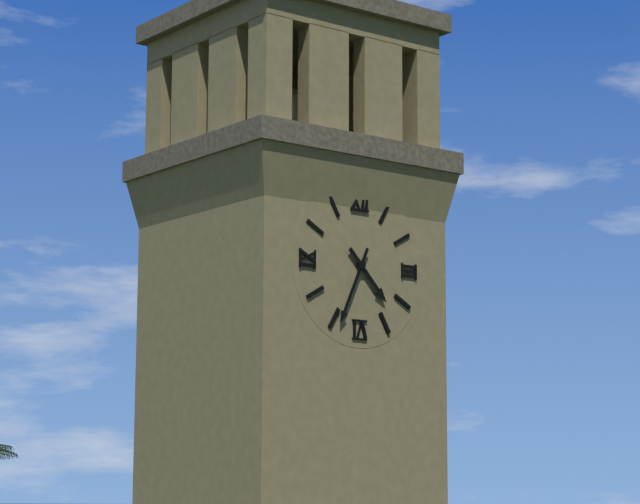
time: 4:34
